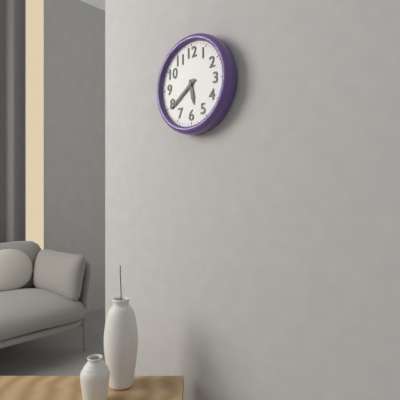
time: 5:39
